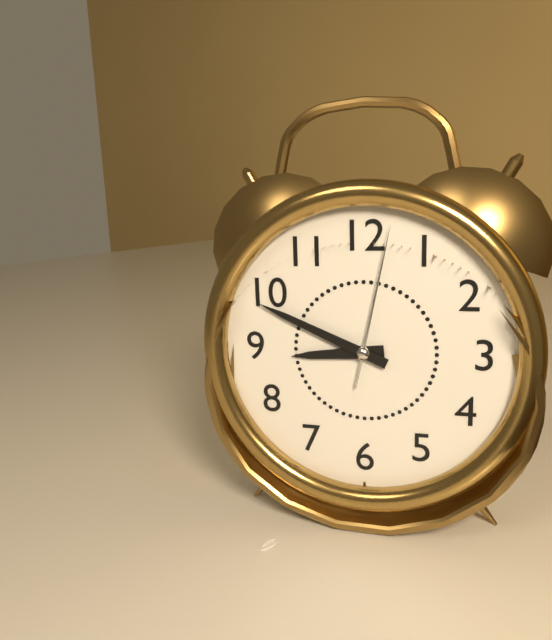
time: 8:49:02
